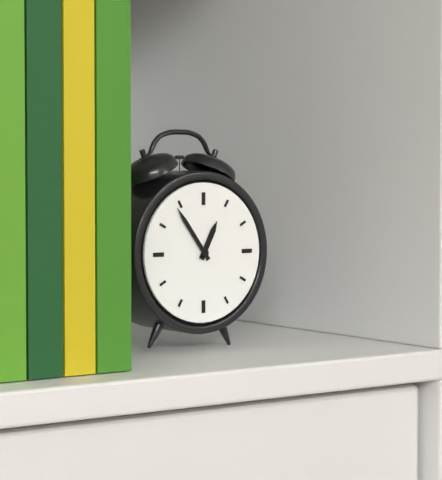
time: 12:54
